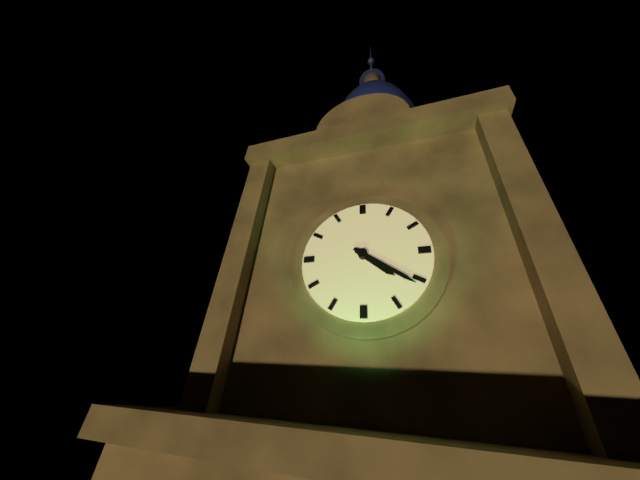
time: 4:21
